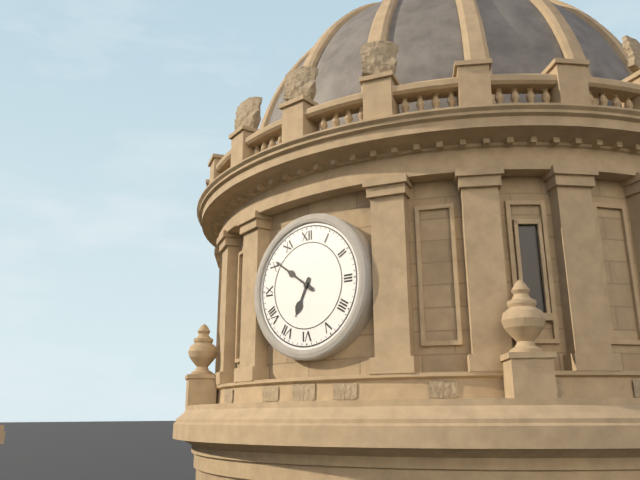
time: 6:51
